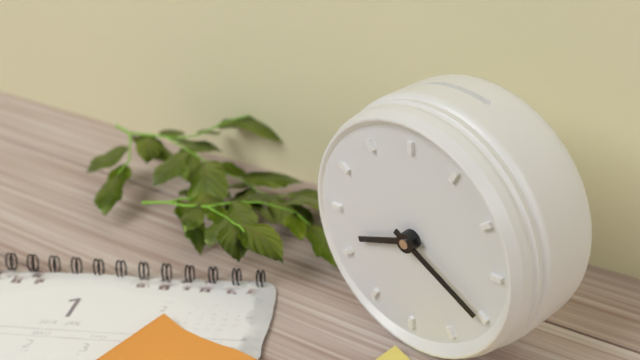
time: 8:20
